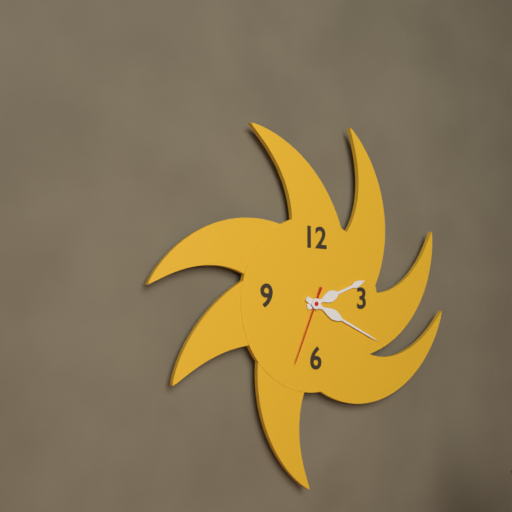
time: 2:19:34
